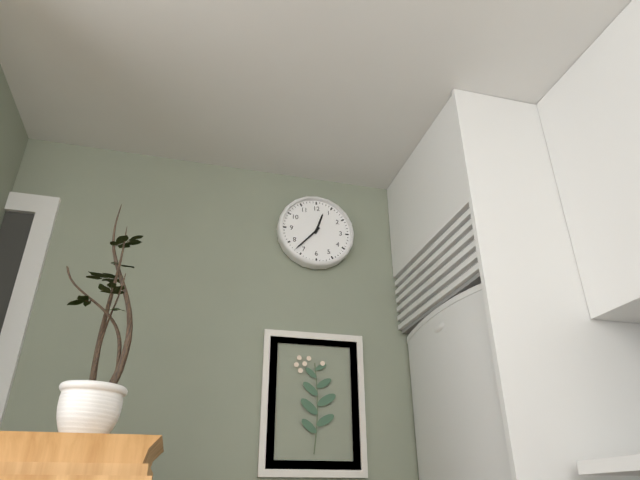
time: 12:37
